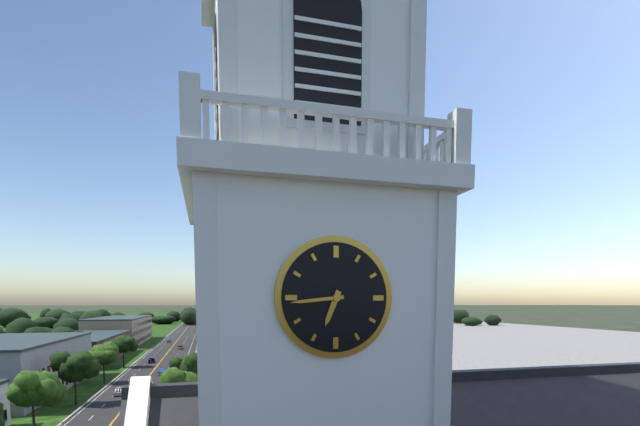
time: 6:44
